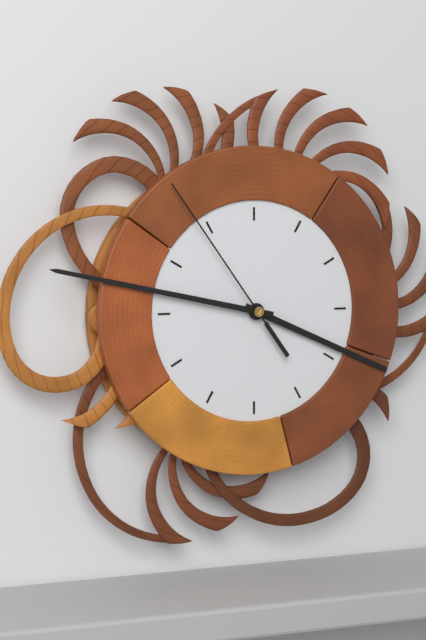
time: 3:47:54
